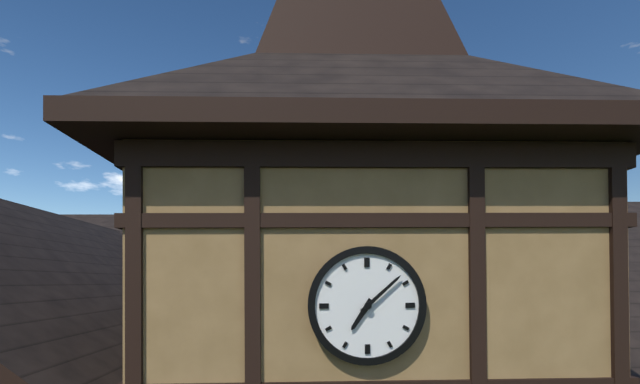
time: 7:08
